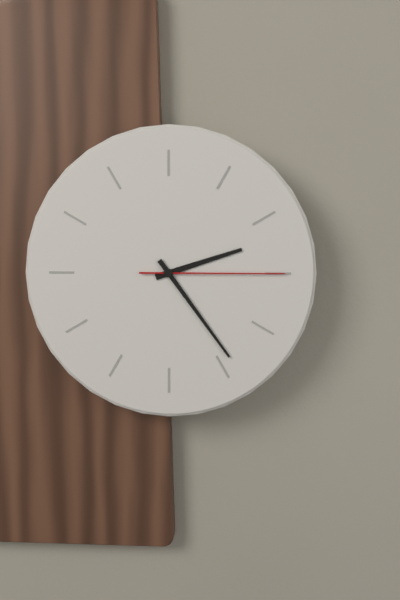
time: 2:24:15
